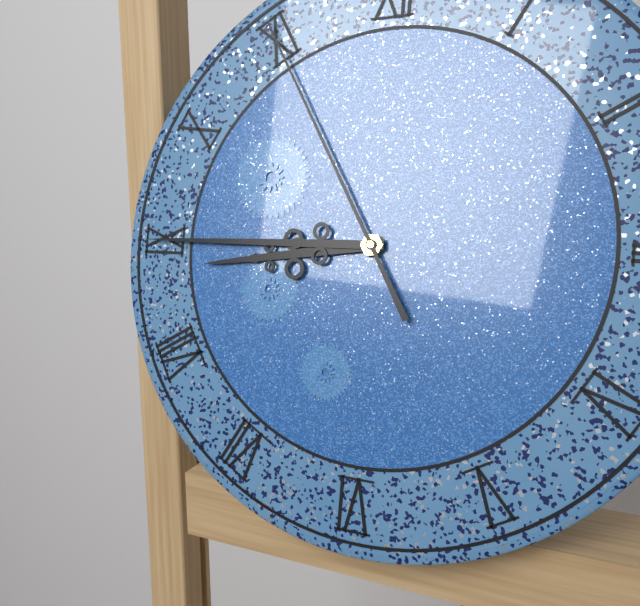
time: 8:45:55
